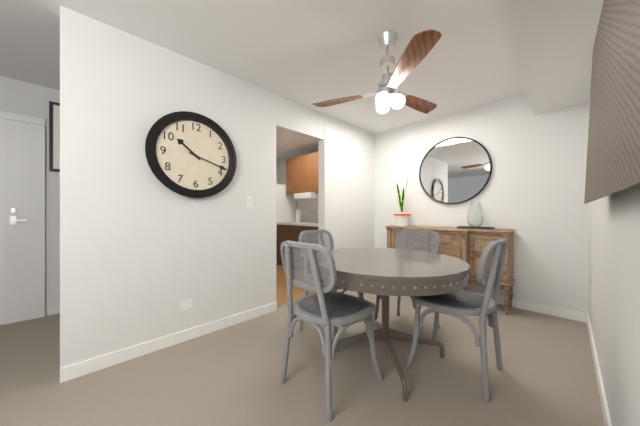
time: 10:18
